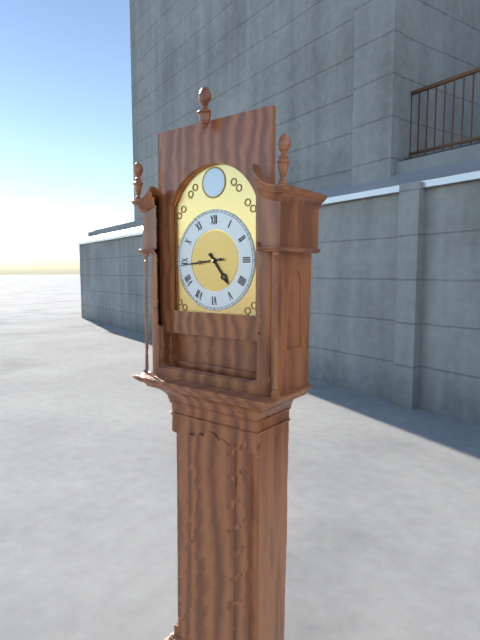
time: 4:44
